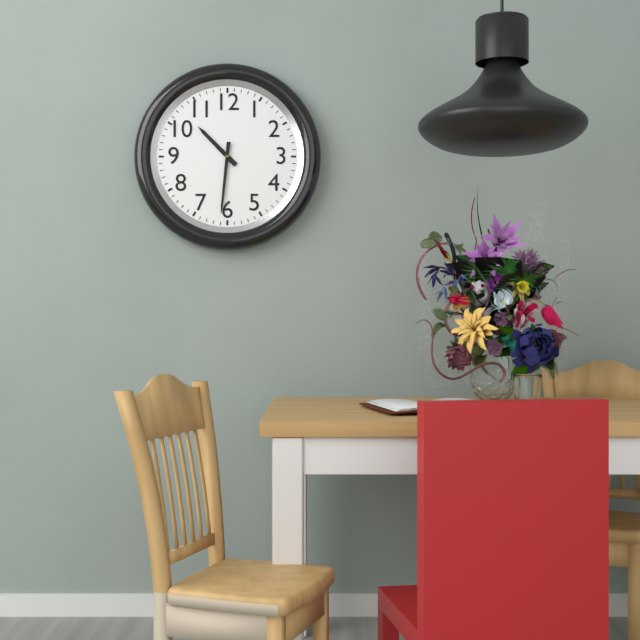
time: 10:31
